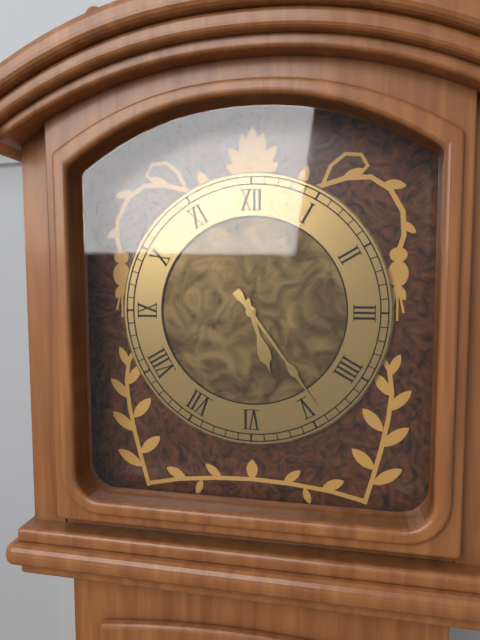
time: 5:24
